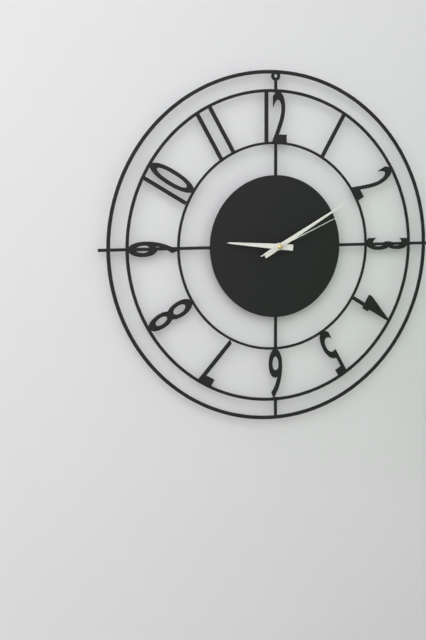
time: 9:10:11
